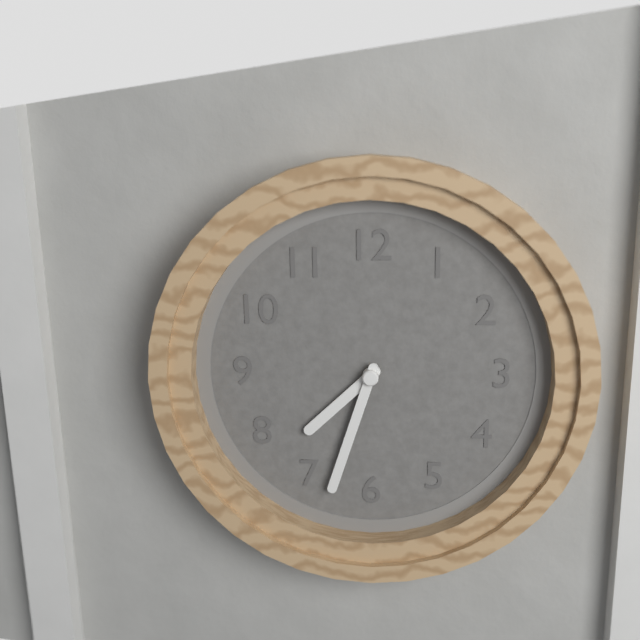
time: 7:33
